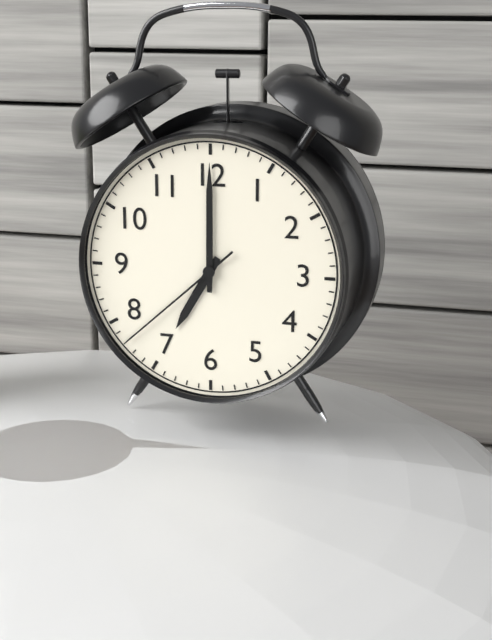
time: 7:00:38
